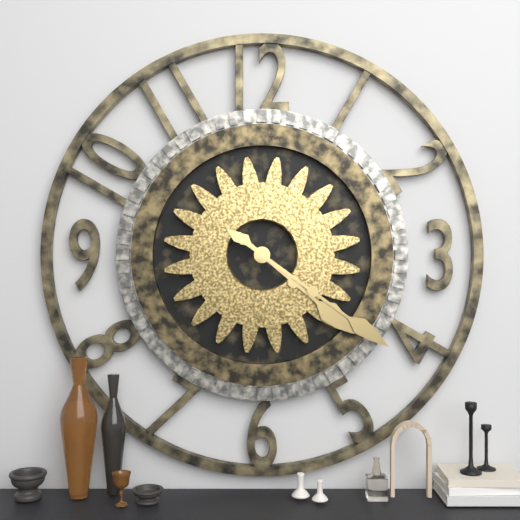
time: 4:21
